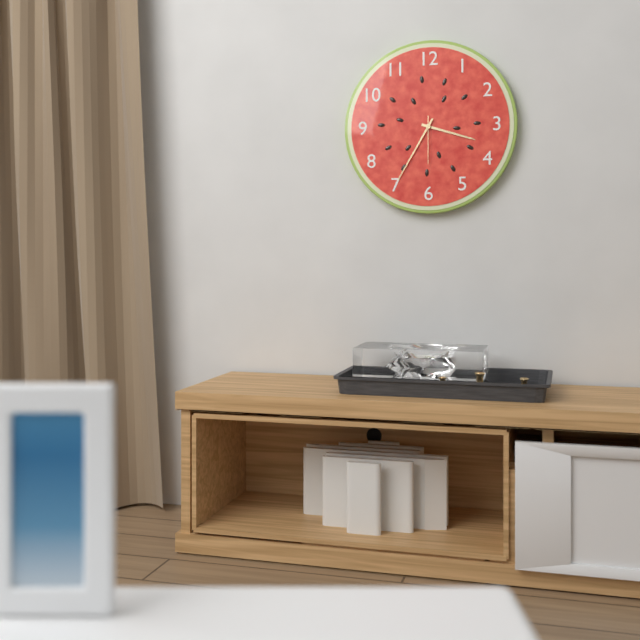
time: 3:35
